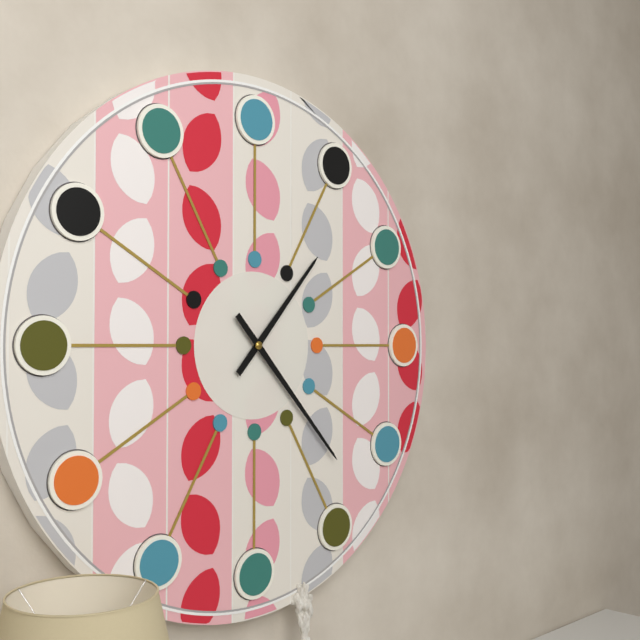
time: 1:23
